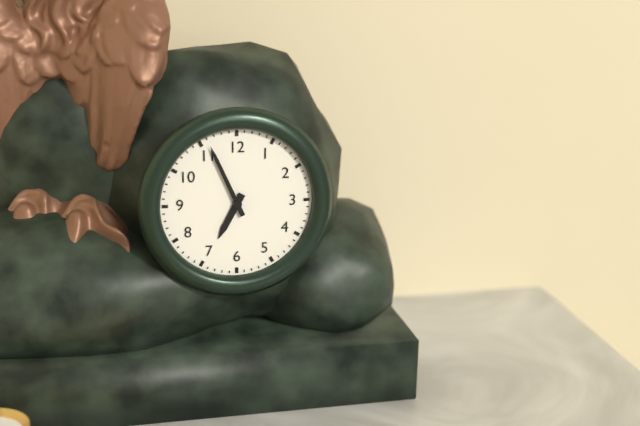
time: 6:56
